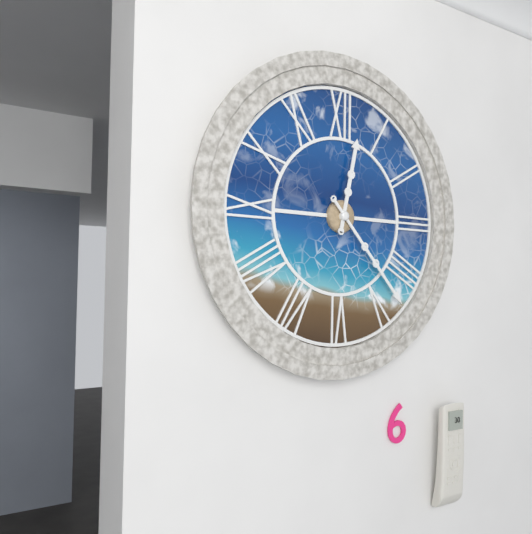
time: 12:23
